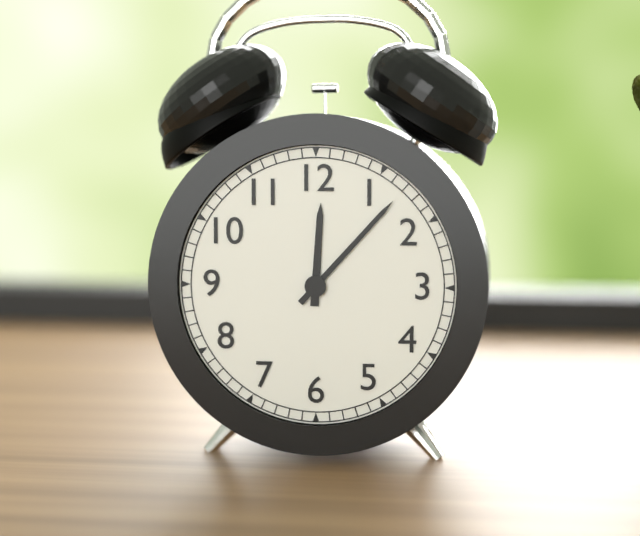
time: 12:07
